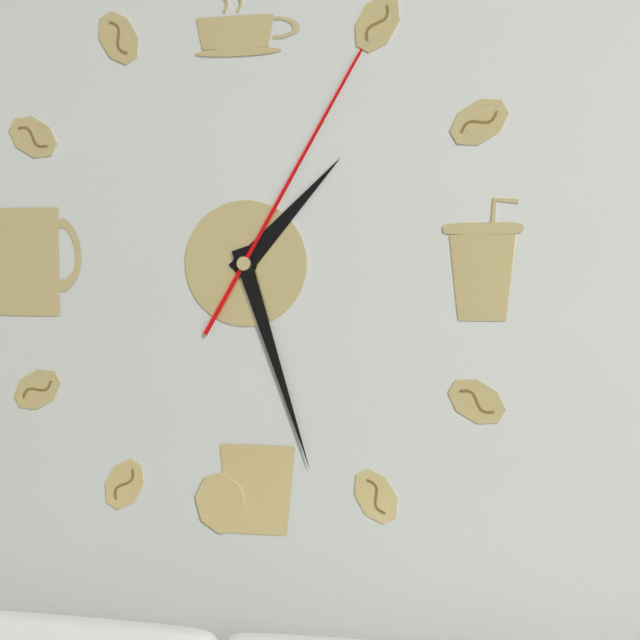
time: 1:27:05
